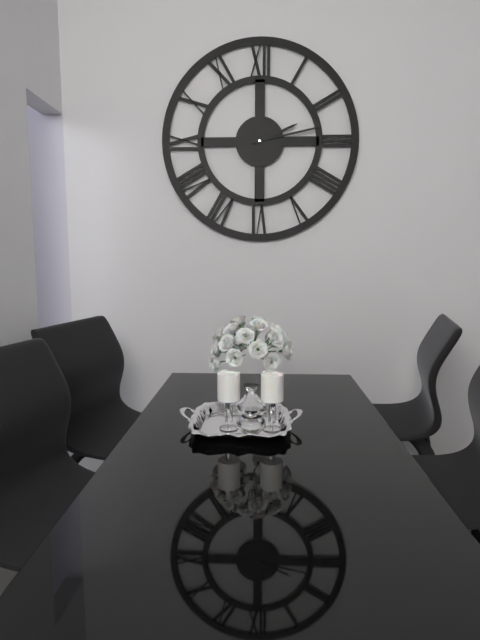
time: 2:13
